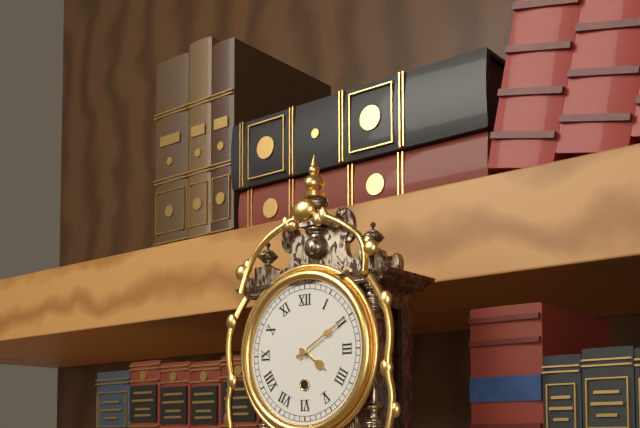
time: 4:10
